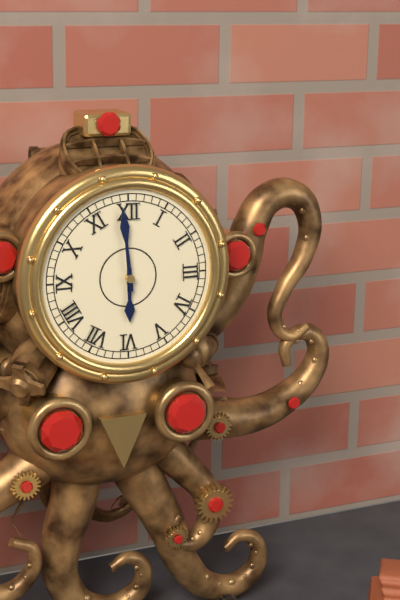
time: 5:59
